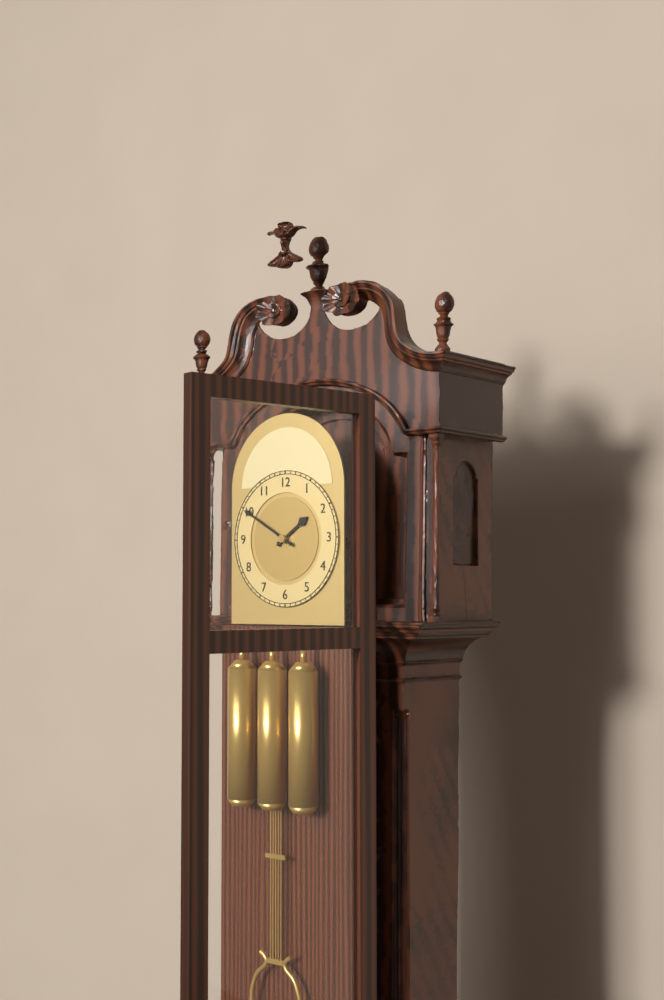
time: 1:50
